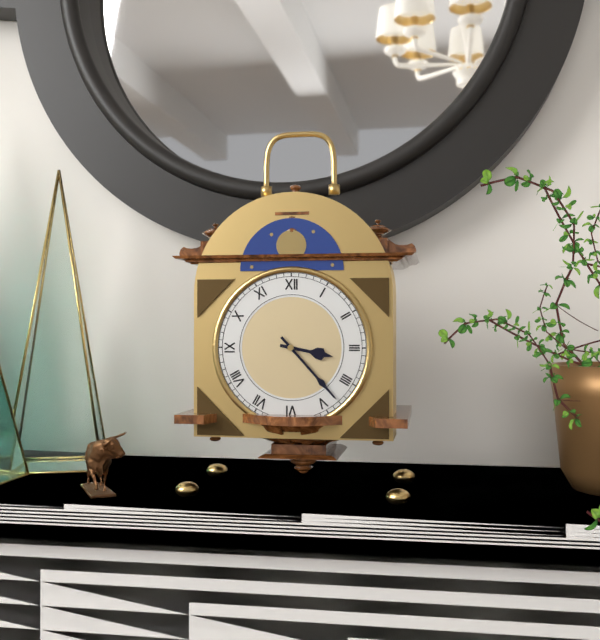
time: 3:23
